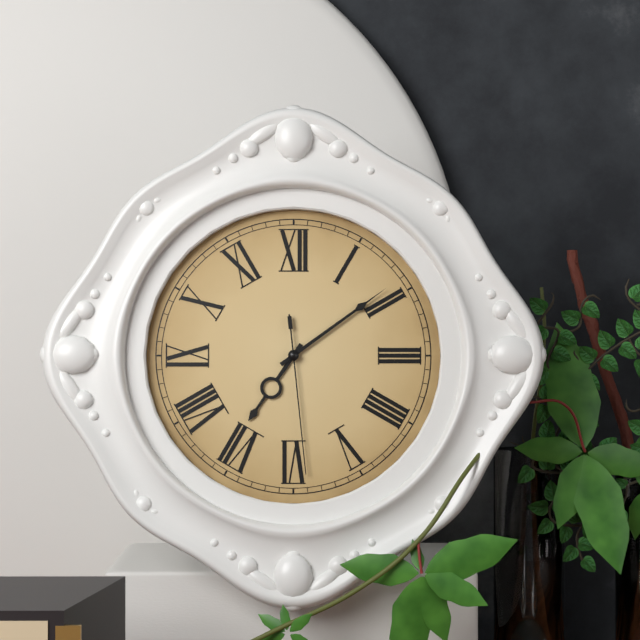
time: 7:09:29
